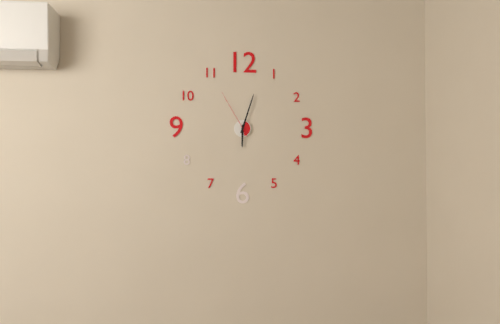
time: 6:03:55
